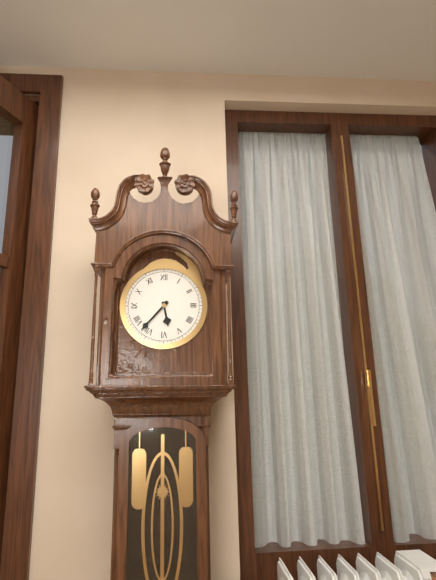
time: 5:37
